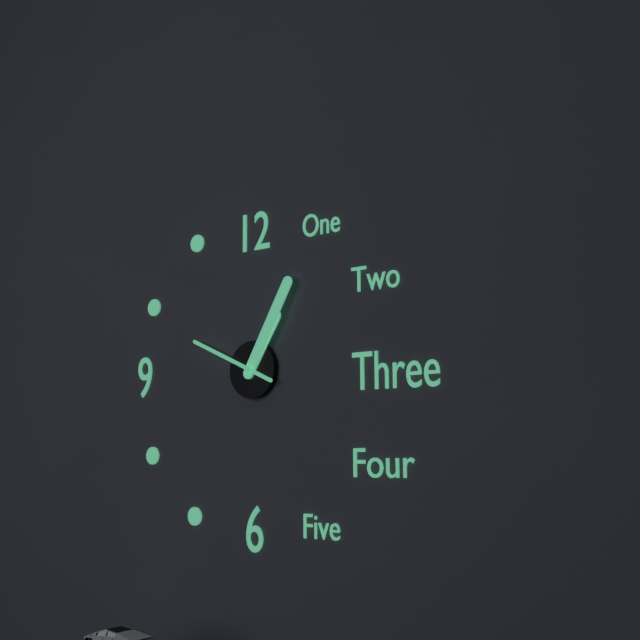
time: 1:05:49
